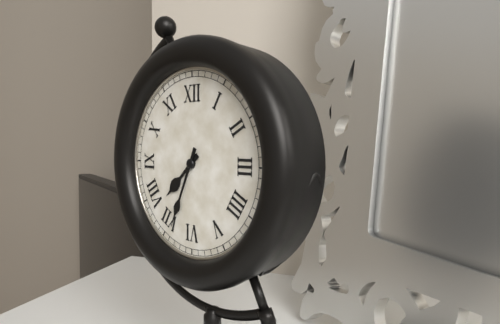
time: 7:34
